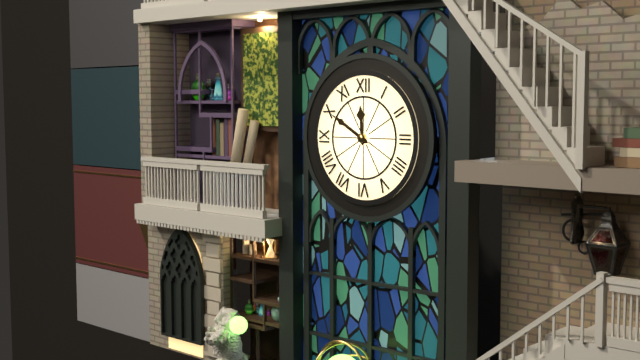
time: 11:50
